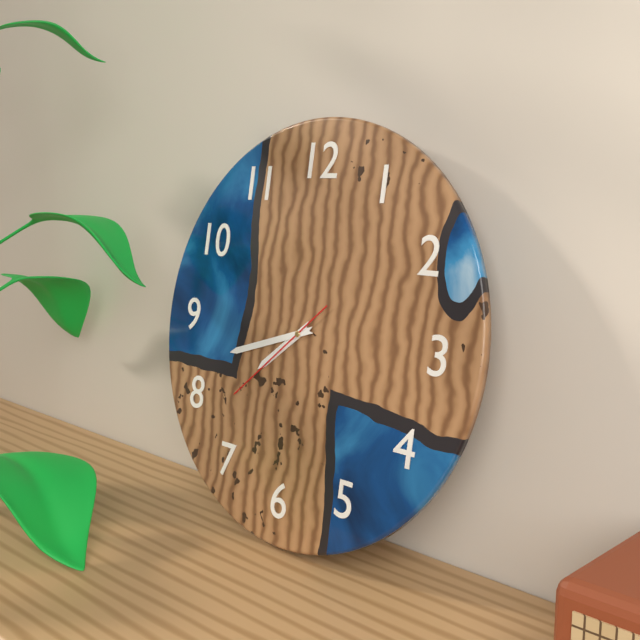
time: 7:42:38
